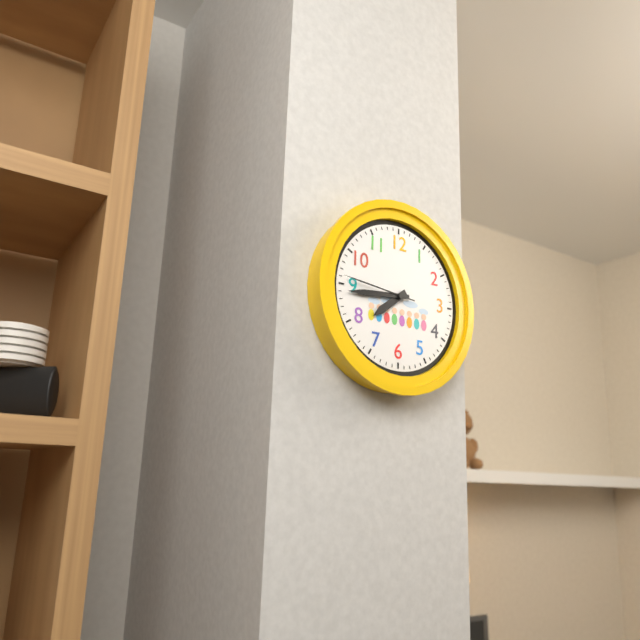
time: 7:44:46
